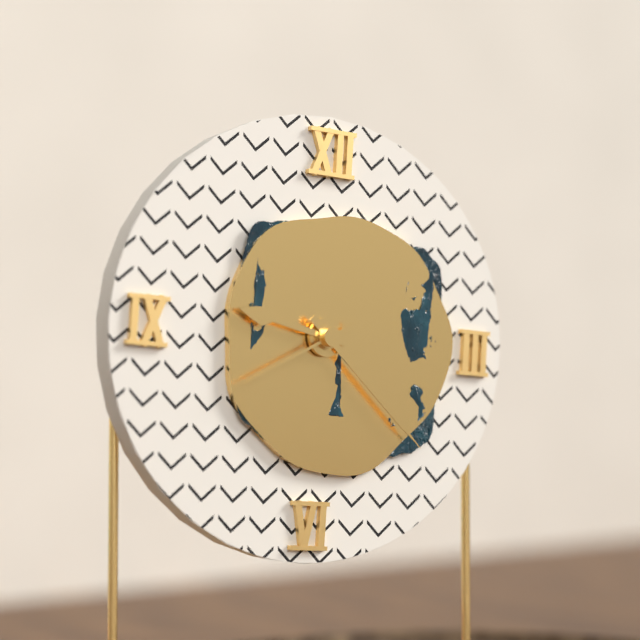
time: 9:22:40
